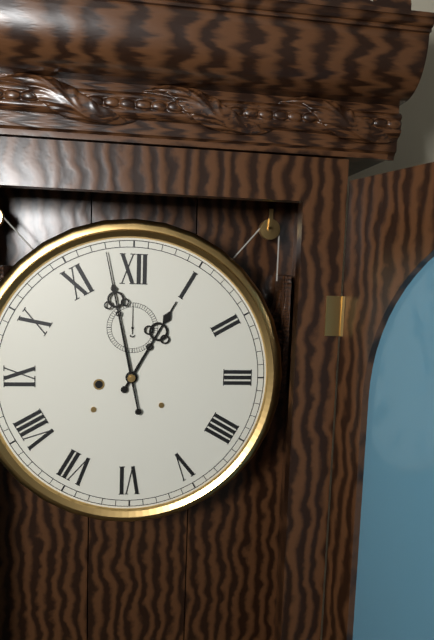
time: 12:58
